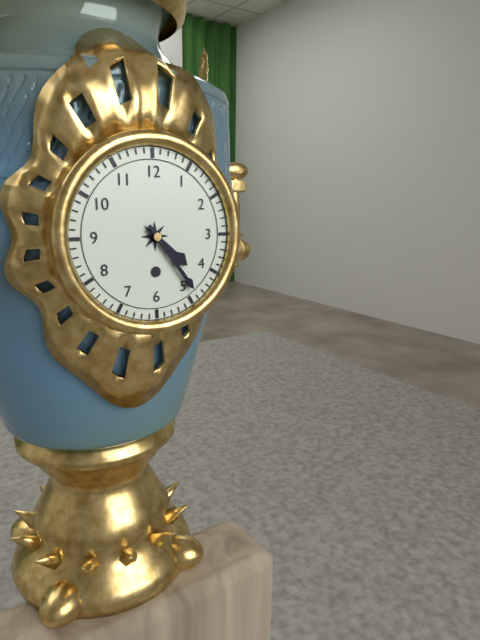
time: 4:24
